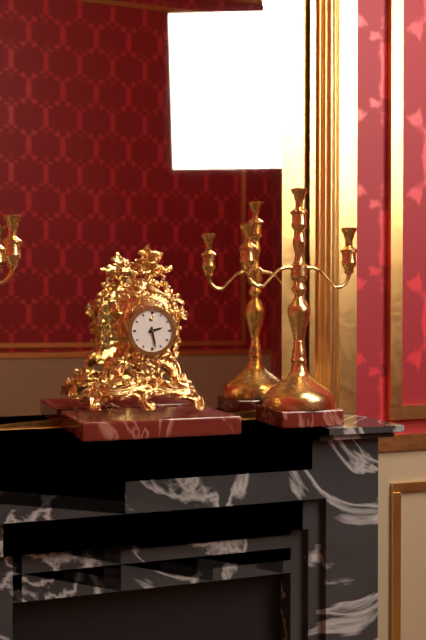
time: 2:28
